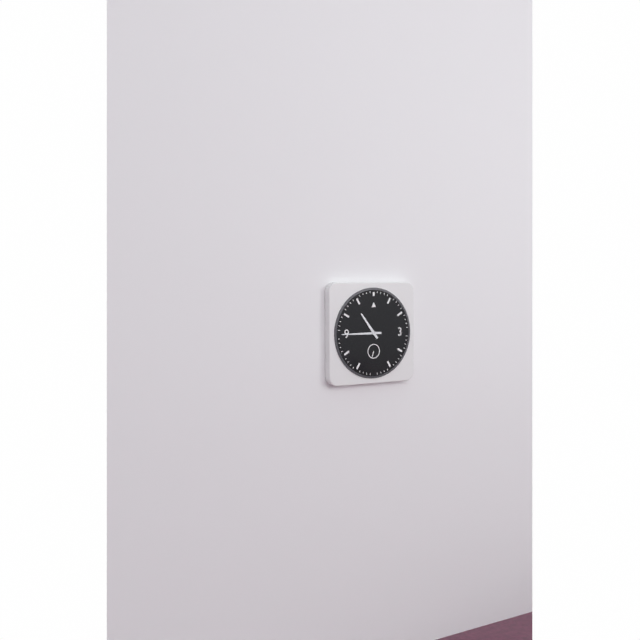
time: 10:45
